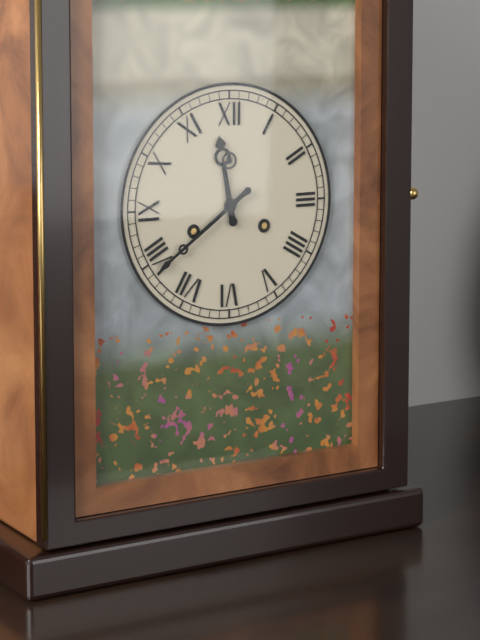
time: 11:39
